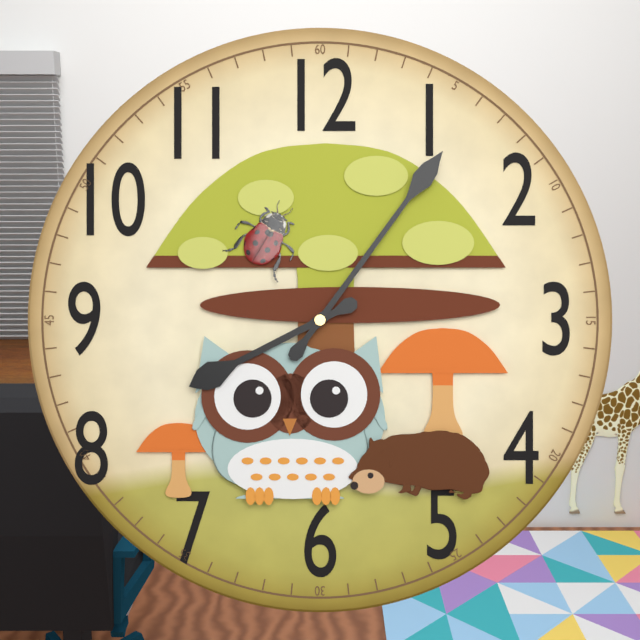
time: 8:06
